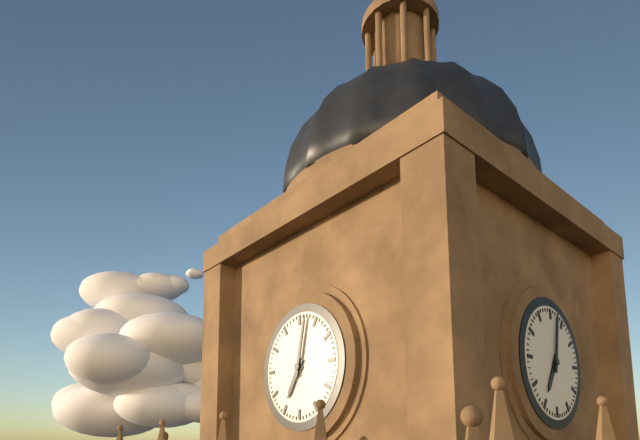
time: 7:02
